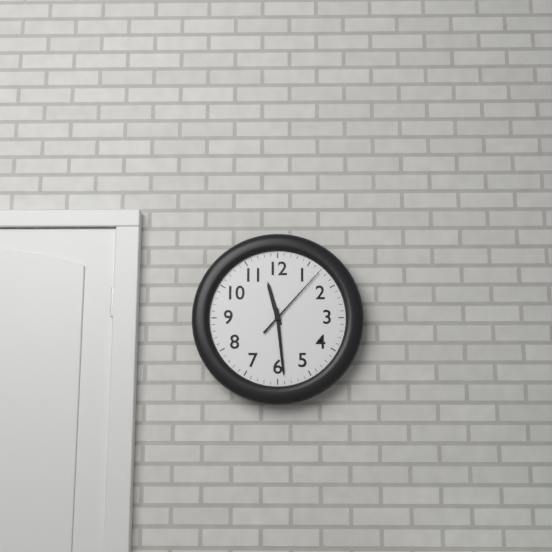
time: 11:29:07
